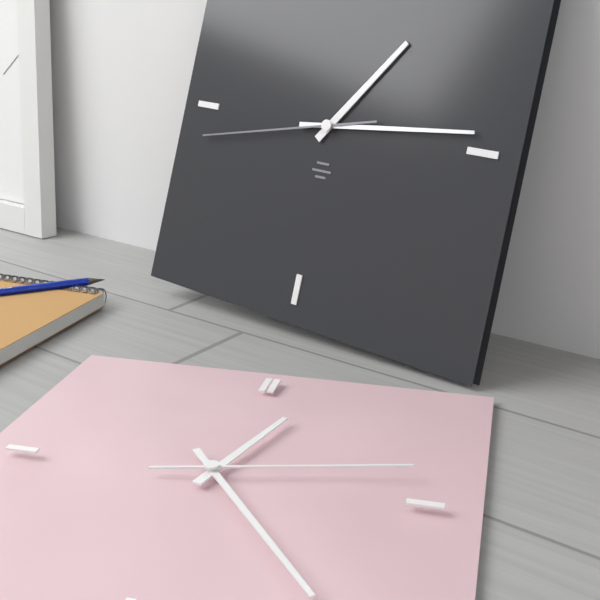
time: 1:14:43
